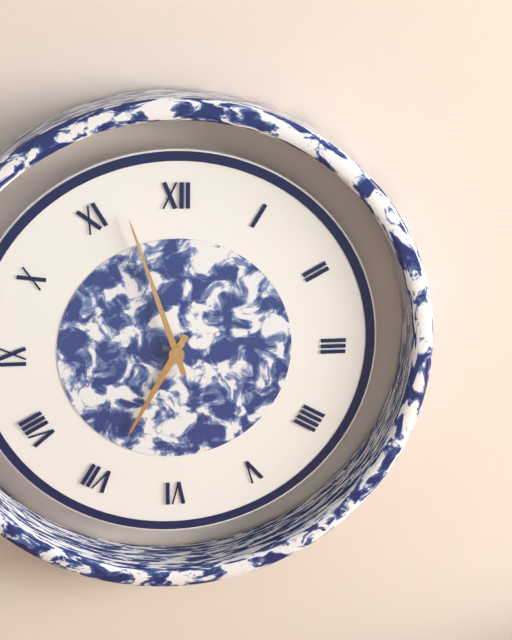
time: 6:57
